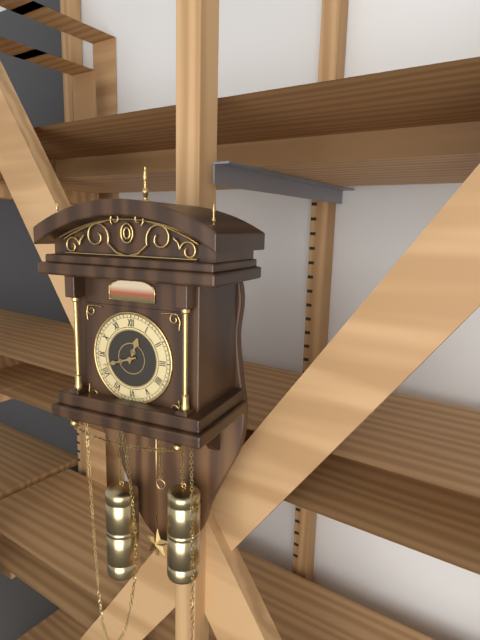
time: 12:42
